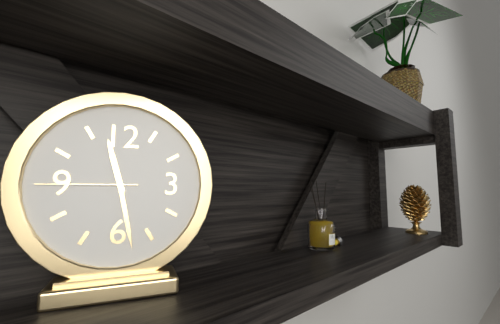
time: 11:28:45
